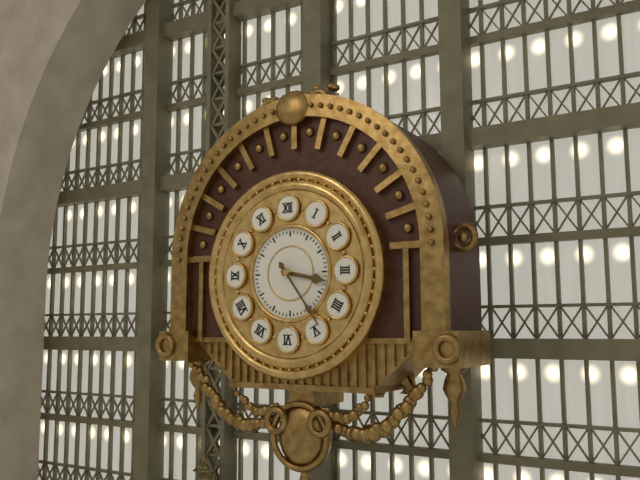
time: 3:24
